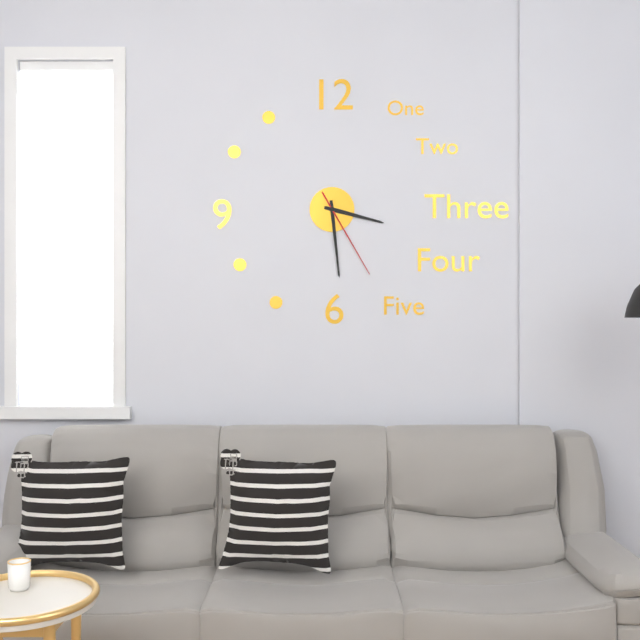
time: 3:29:25
